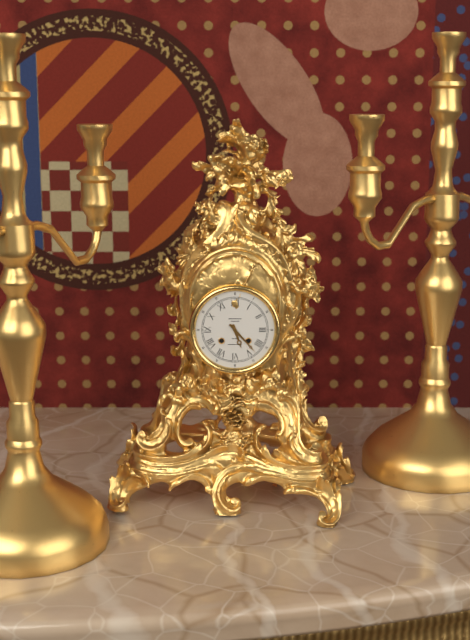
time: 5:23
